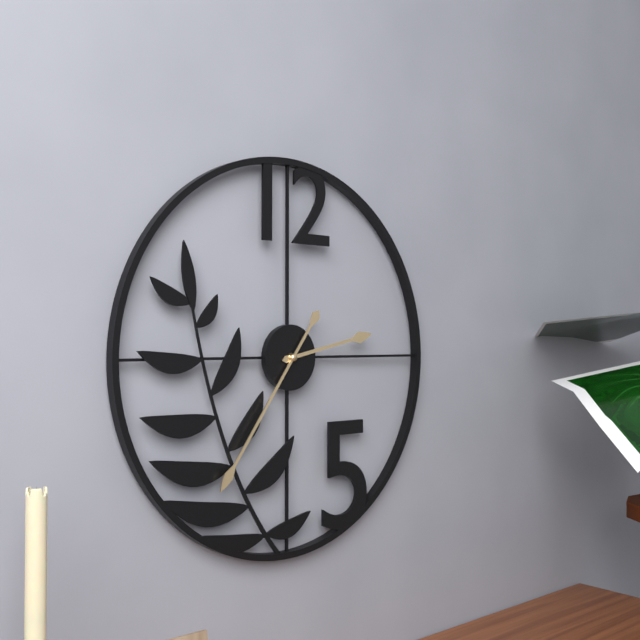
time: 2:36
